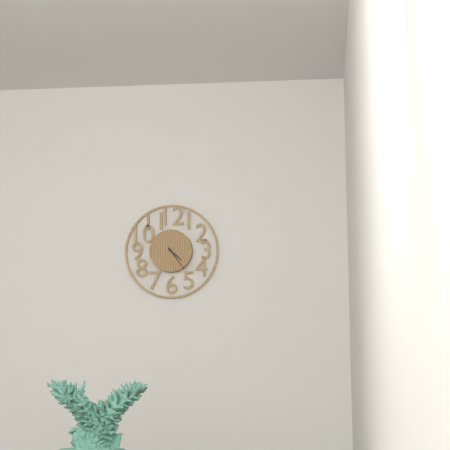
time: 4:24
